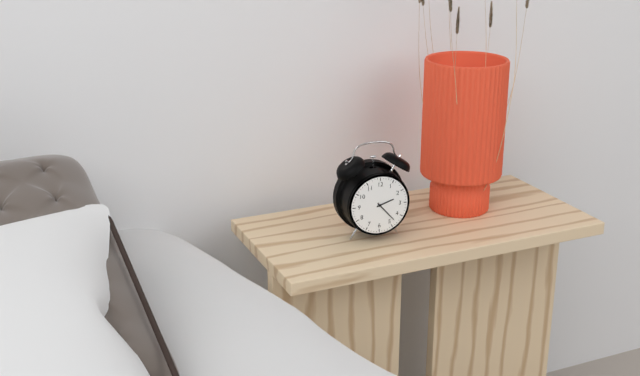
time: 2:23
